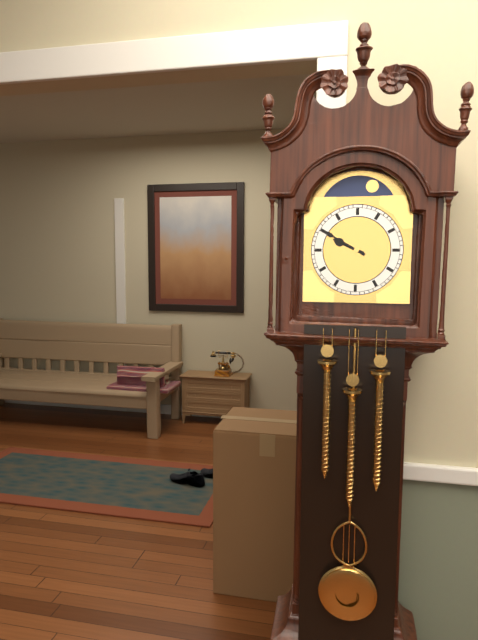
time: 9:50
